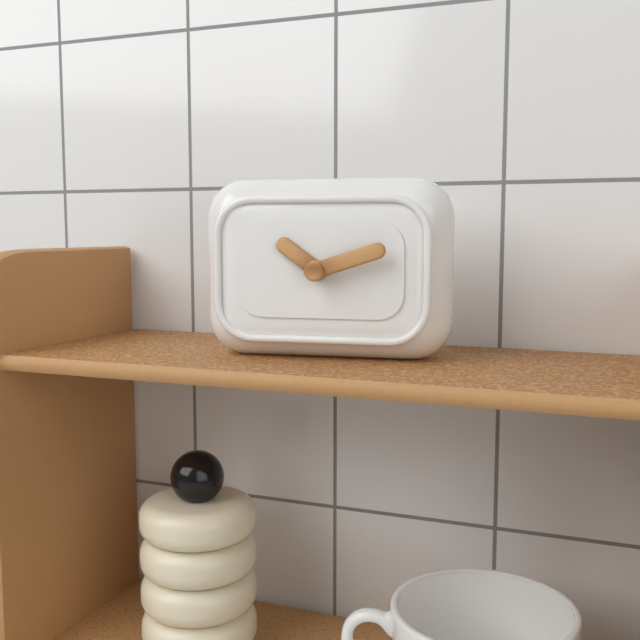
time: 10:12
